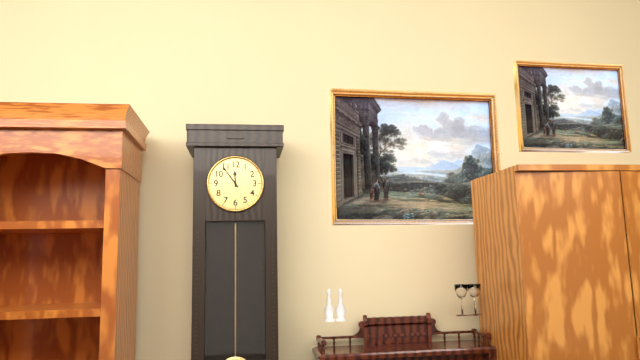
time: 11:54
